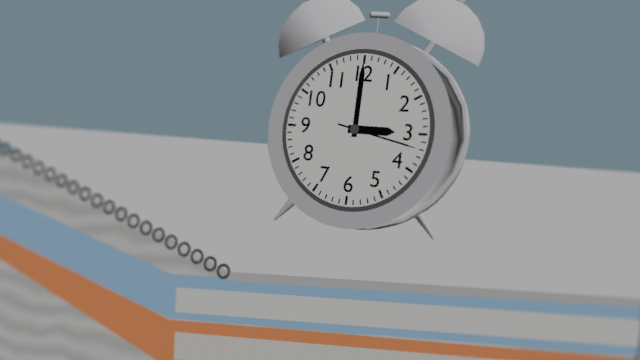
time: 3:00:17
